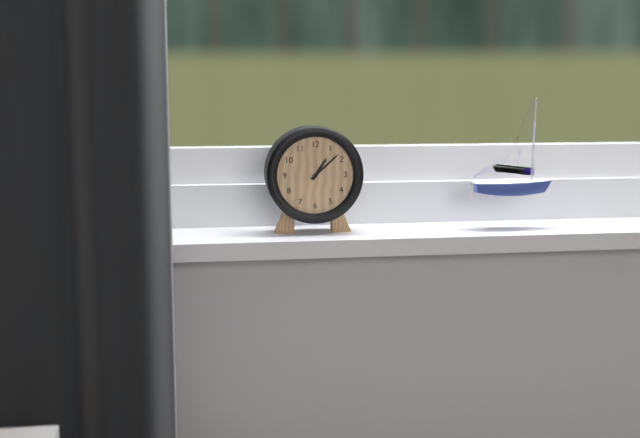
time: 1:08
